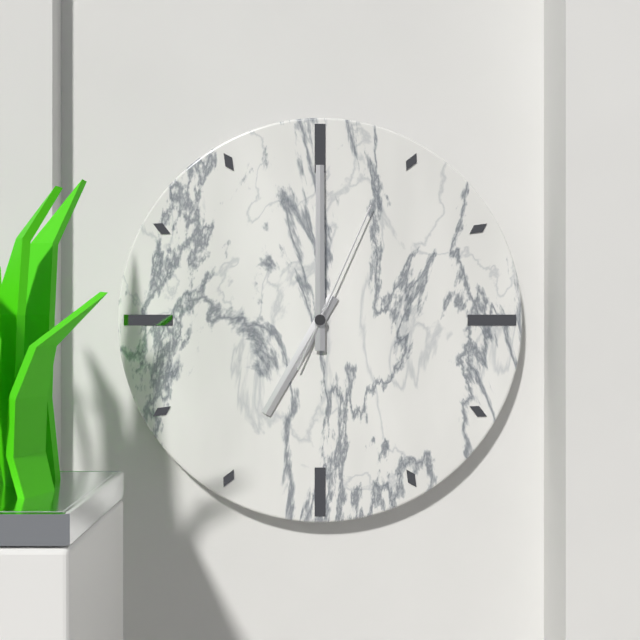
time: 7:00:04
